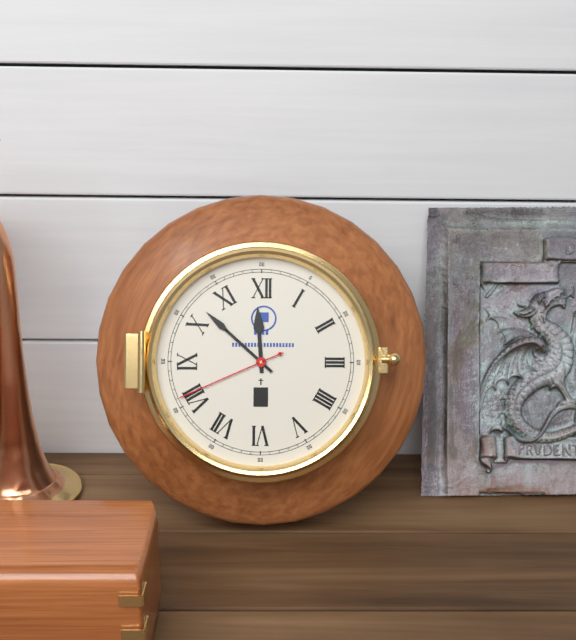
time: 11:52:41
